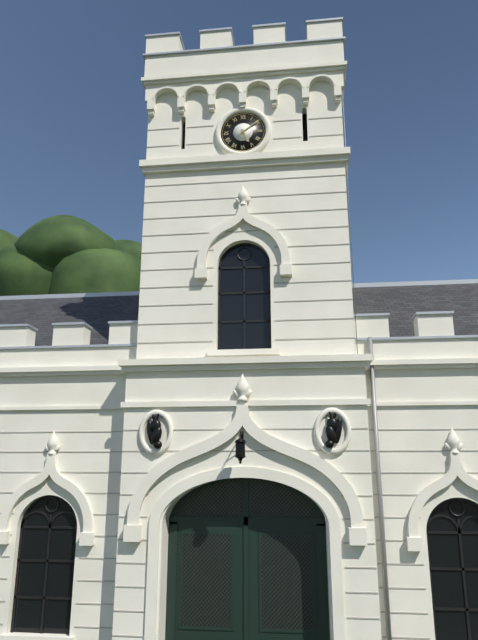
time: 5:09
